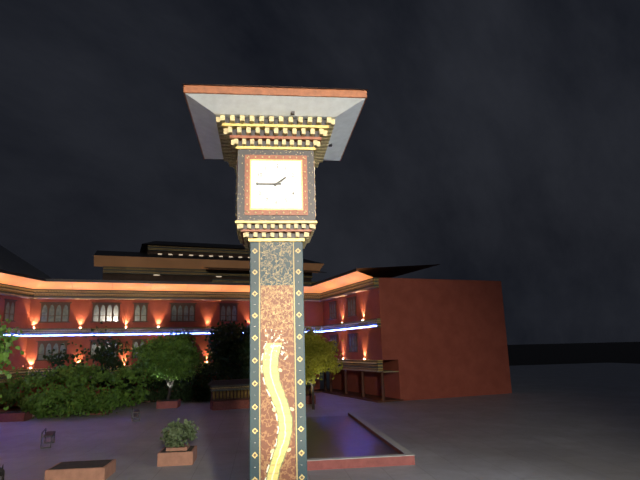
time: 1:45
